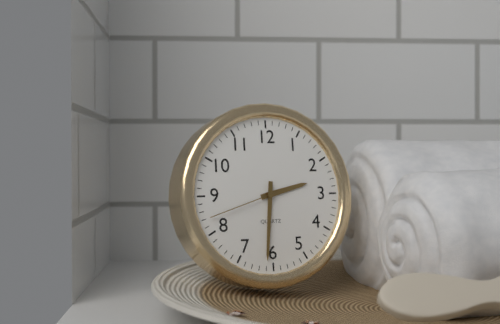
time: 2:31:42
